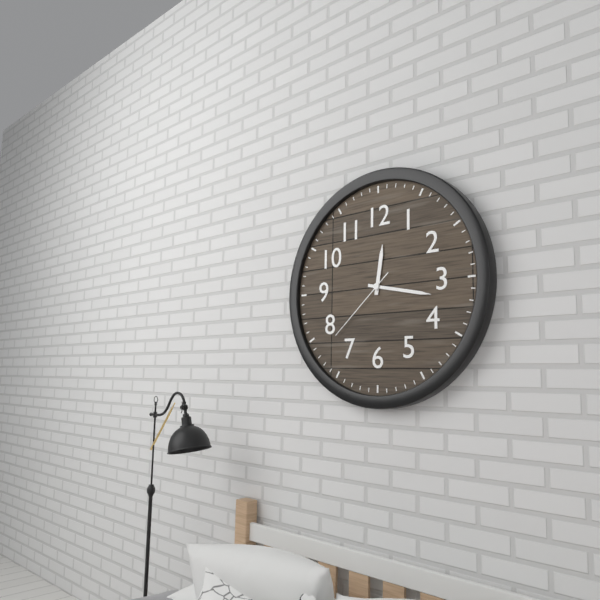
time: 12:17:38
